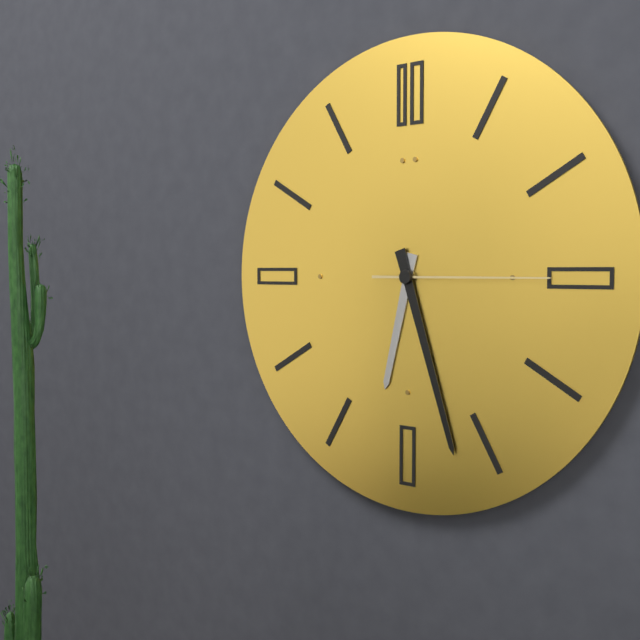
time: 6:27:15
